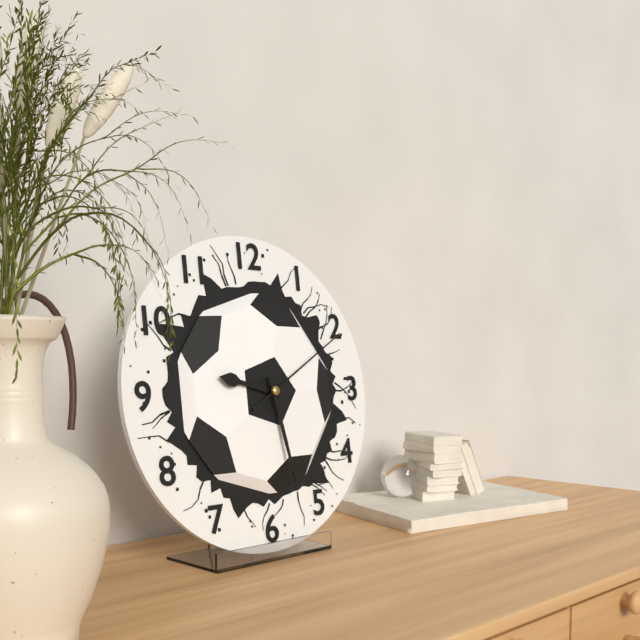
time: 9:28:10
